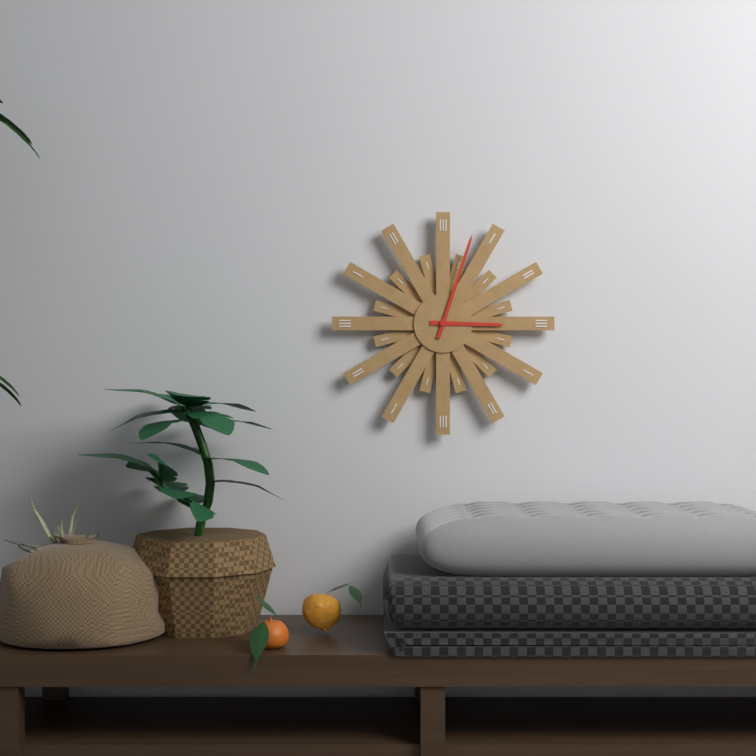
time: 3:03
